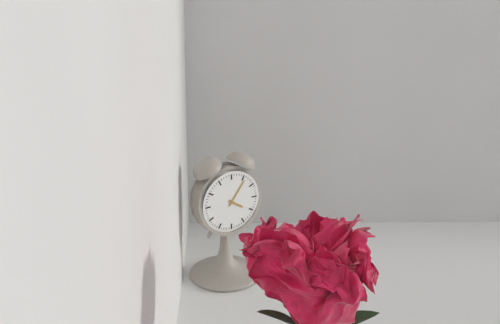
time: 4:06
